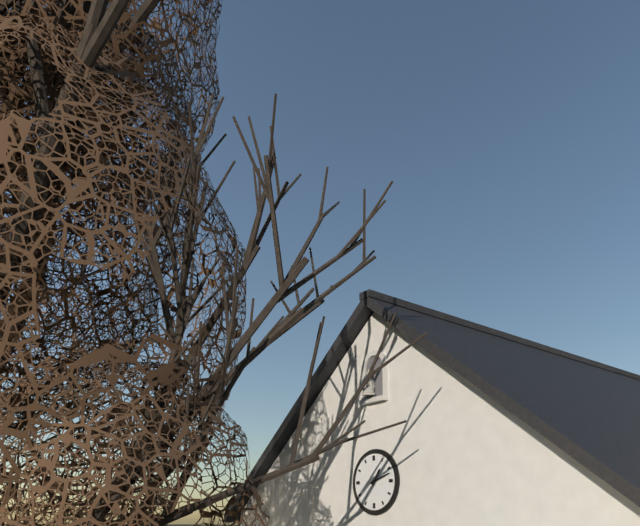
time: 1:12
